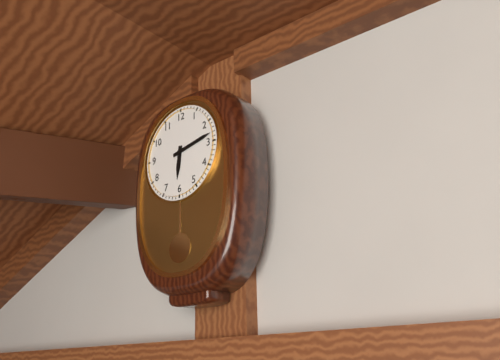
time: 6:13
